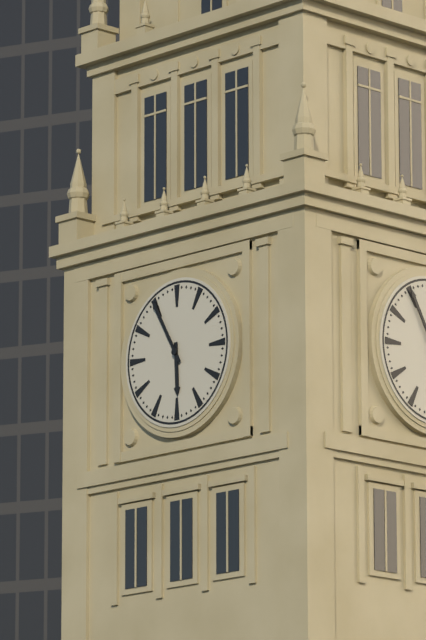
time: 5:55
